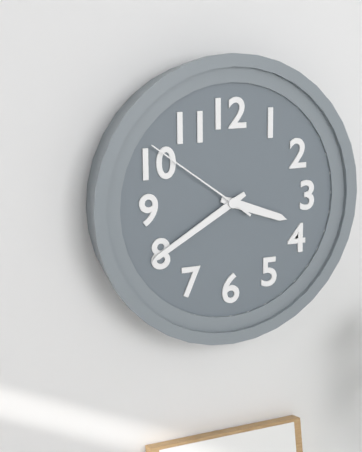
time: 3:40:51
